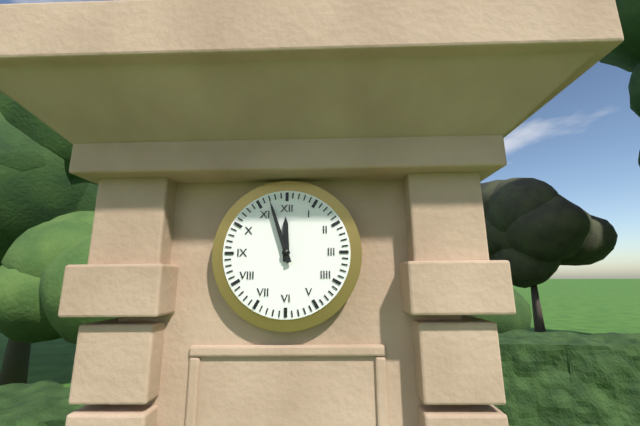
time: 11:57
